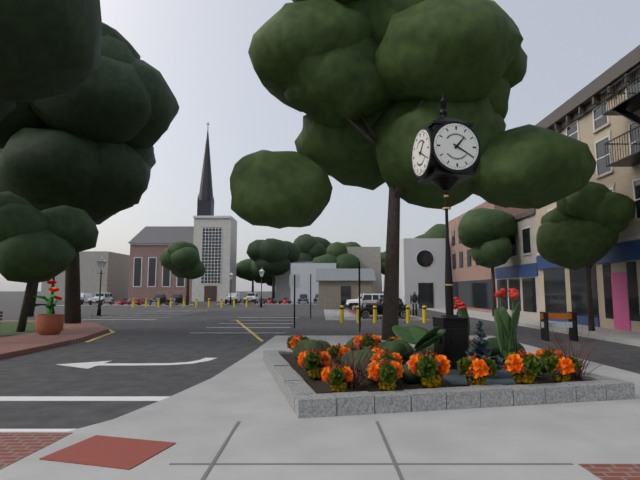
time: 1:20
